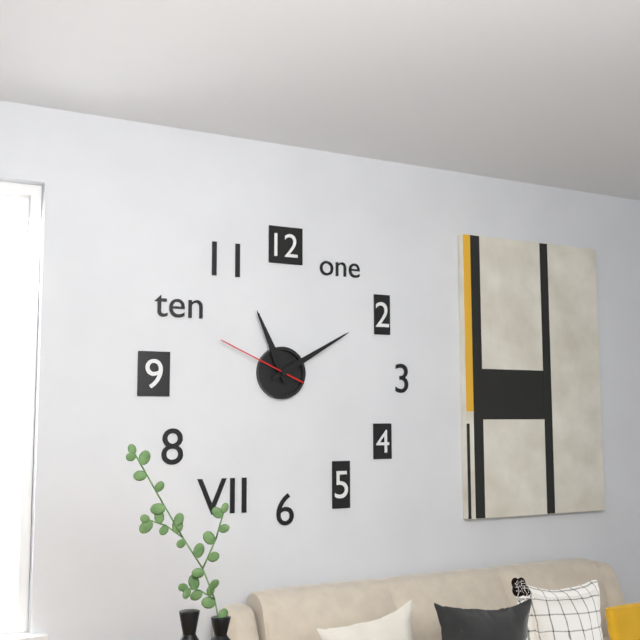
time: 11:10:49
